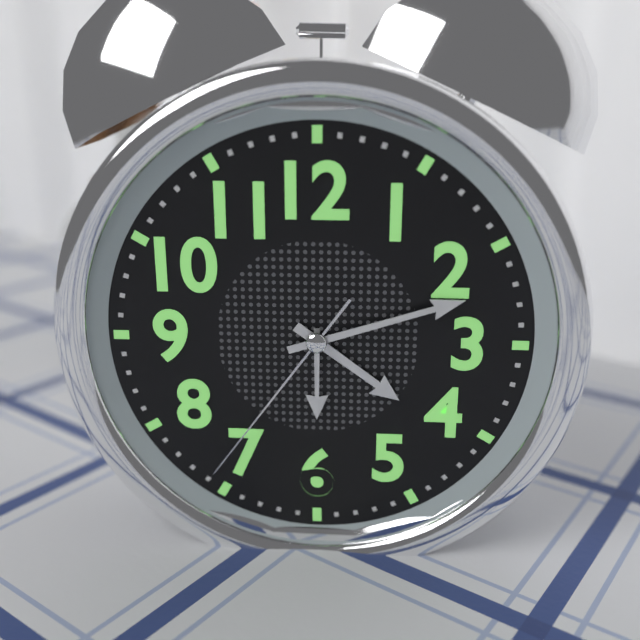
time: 4:12:36
